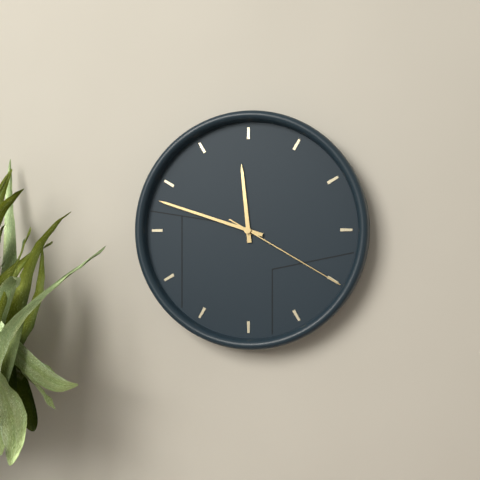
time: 11:48:20
